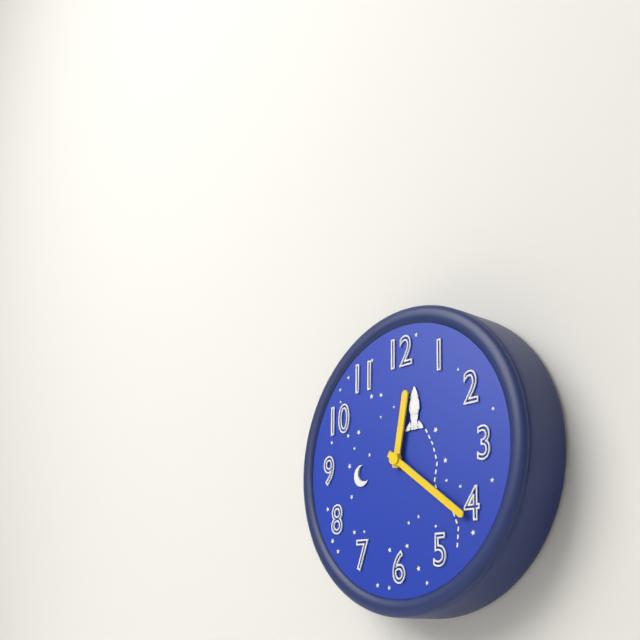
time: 12:21
